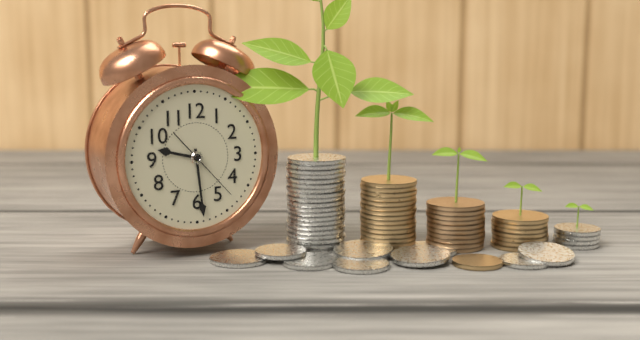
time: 9:29:23
